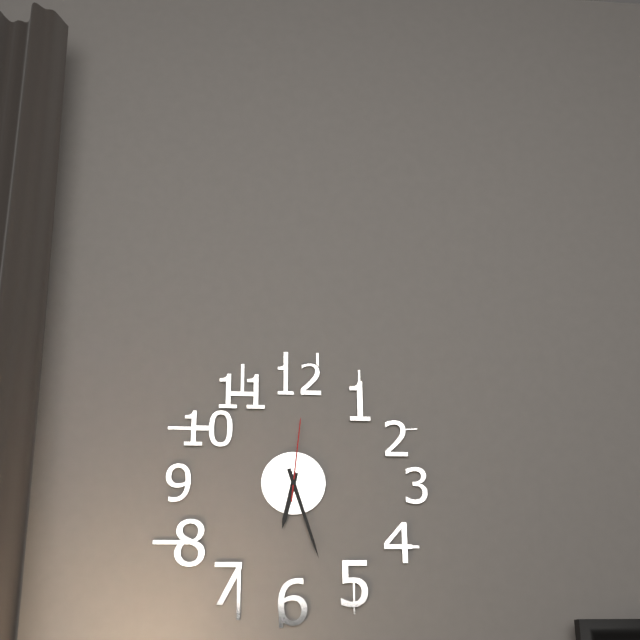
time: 6:27:01
